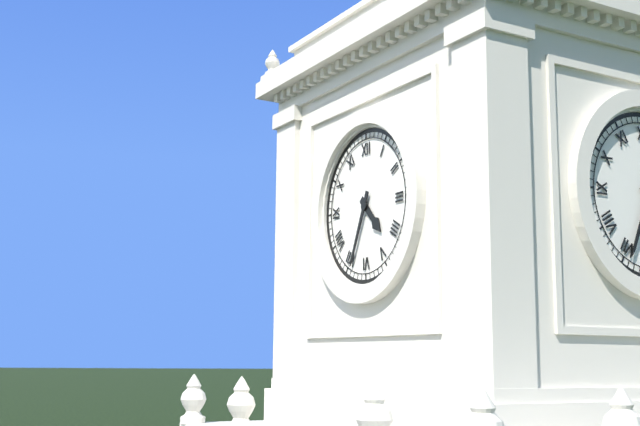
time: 4:34
